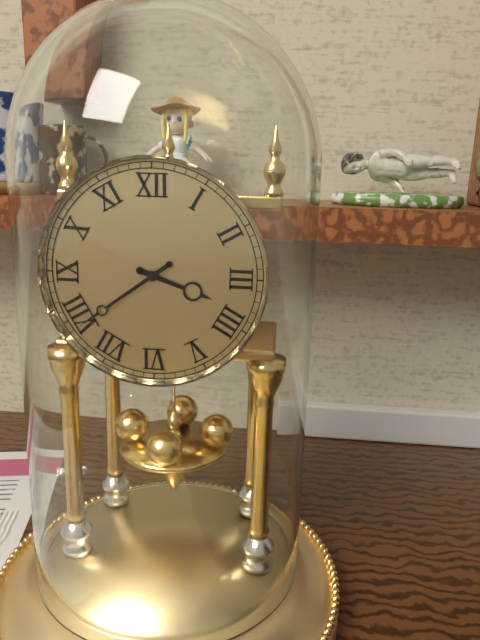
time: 3:39
